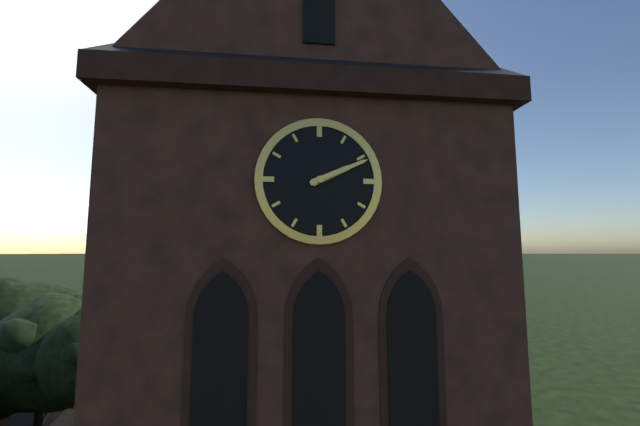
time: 2:11
